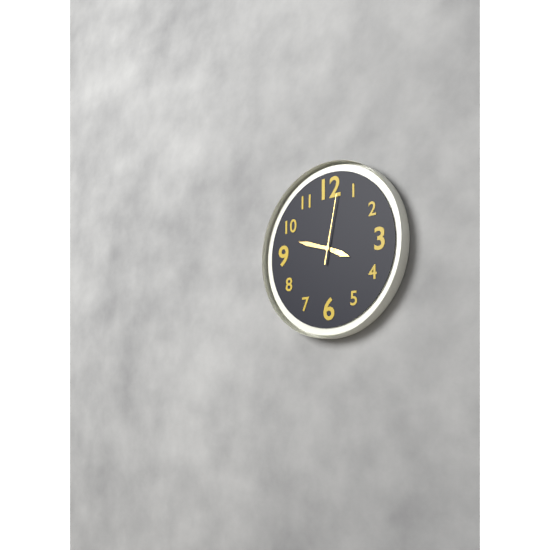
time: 3:48:02
